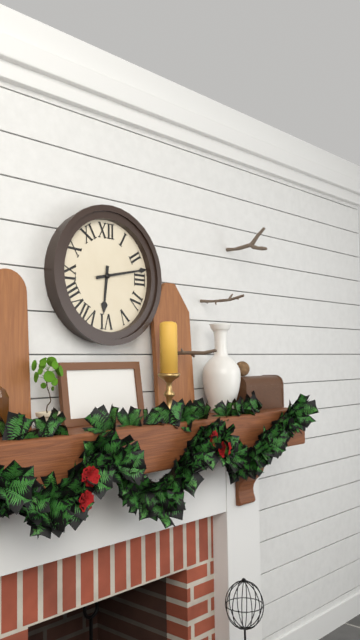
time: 6:13
